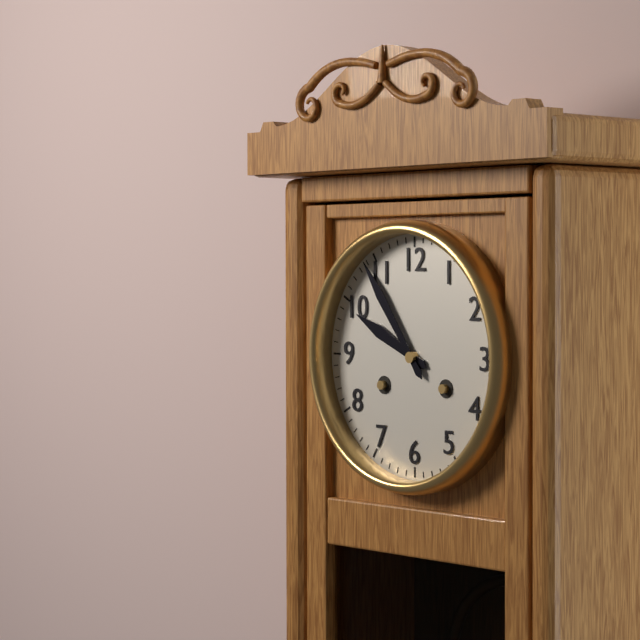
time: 9:54
